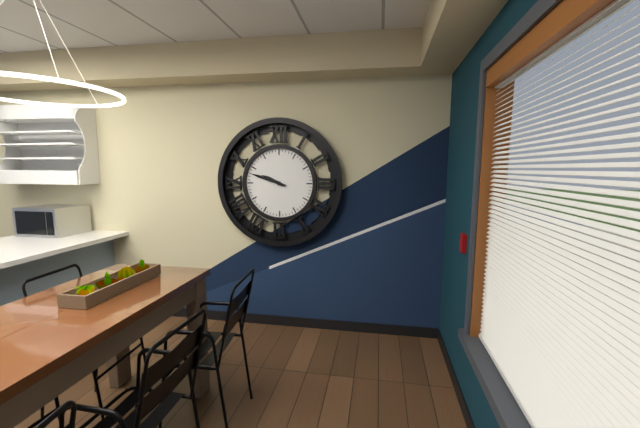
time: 9:48
